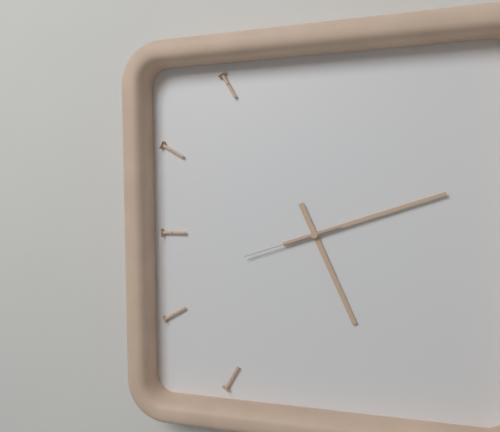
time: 5:12:42
